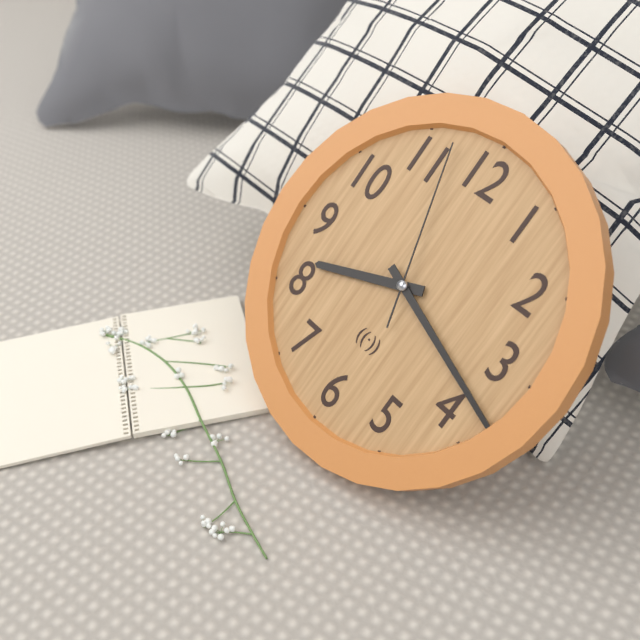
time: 8:18:57
